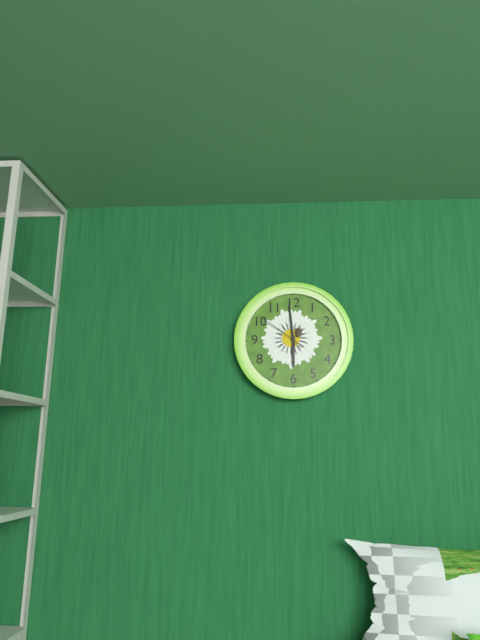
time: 5:59:51
